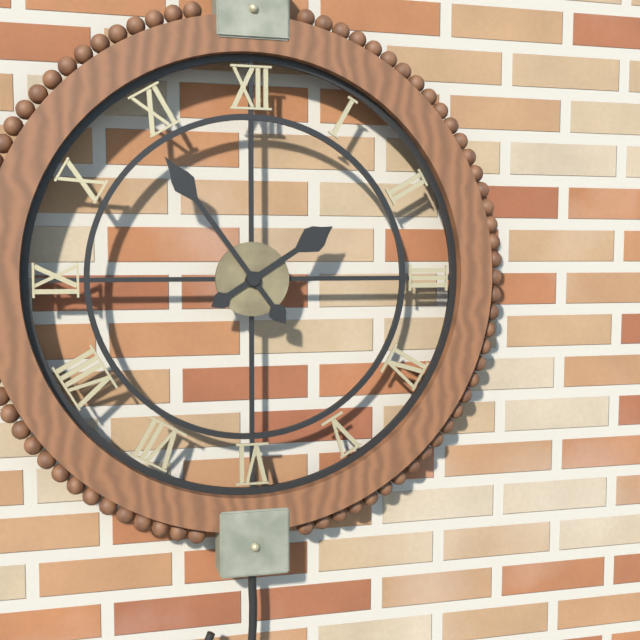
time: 1:54
